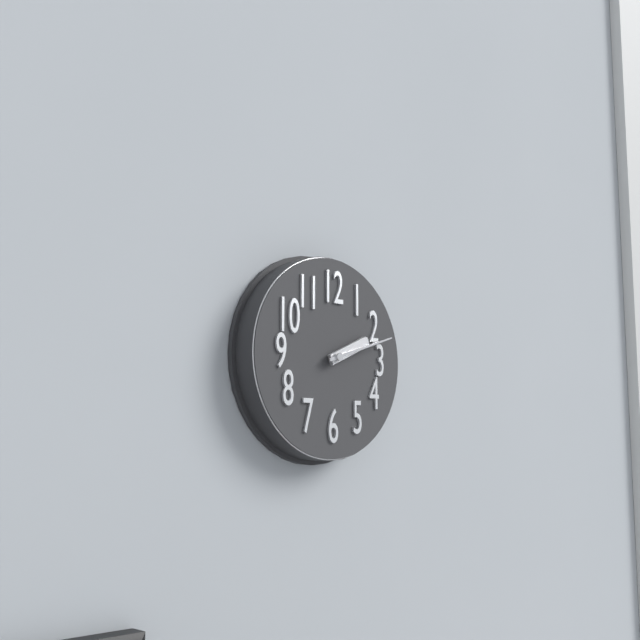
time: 2:12
